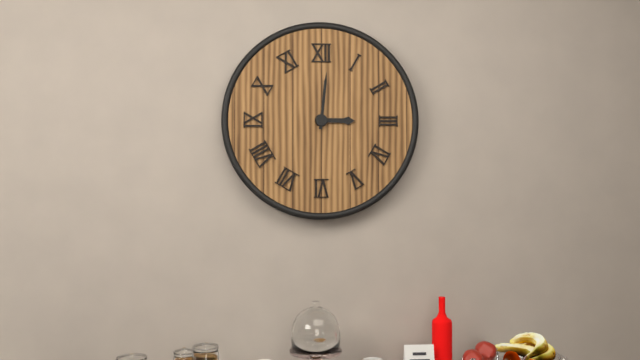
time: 3:01
